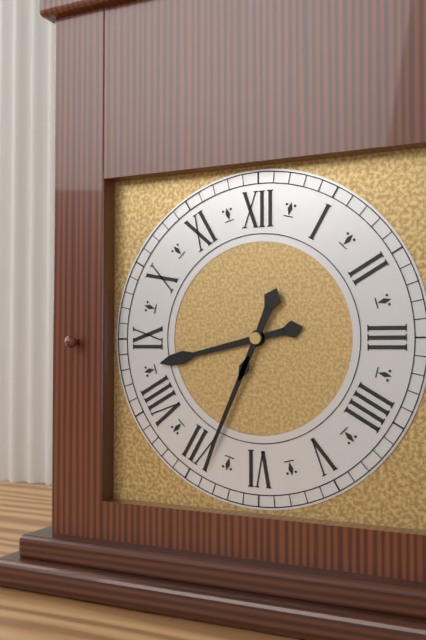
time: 8:34
